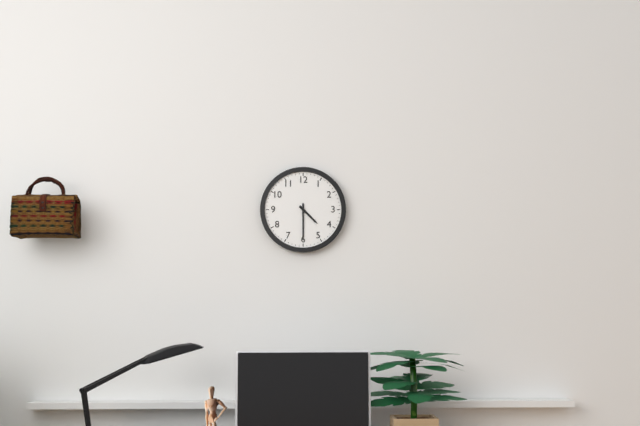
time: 4:30
